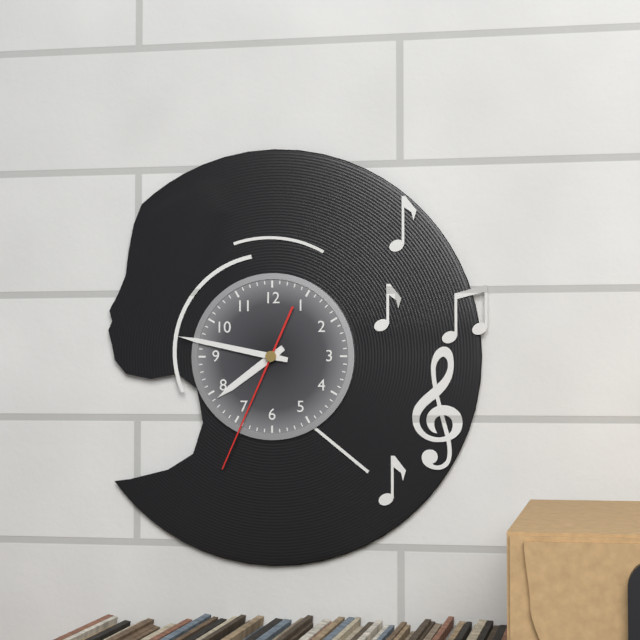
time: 7:47:34
